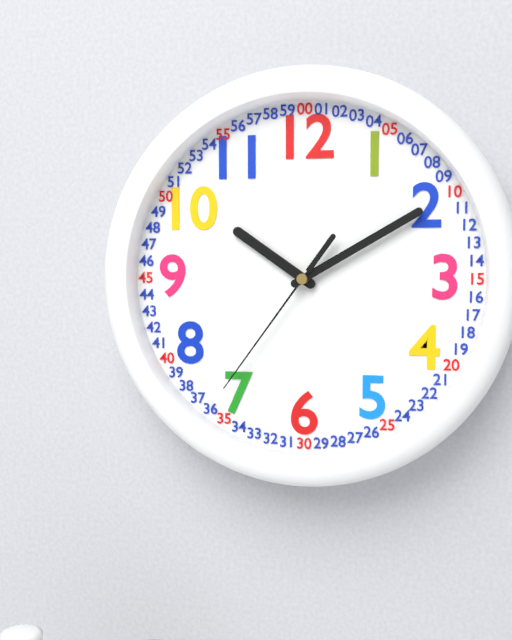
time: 10:10:36
